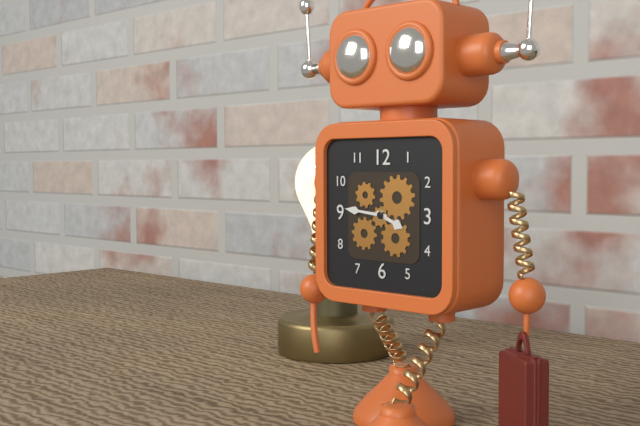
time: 3:46
